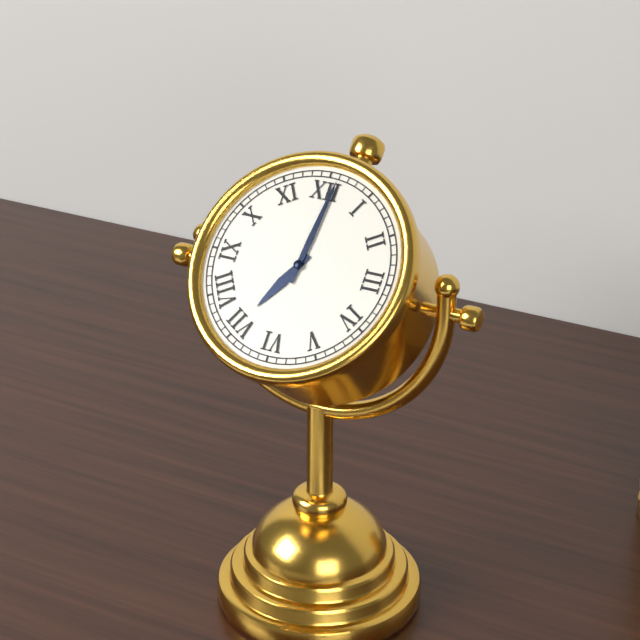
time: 7:01
